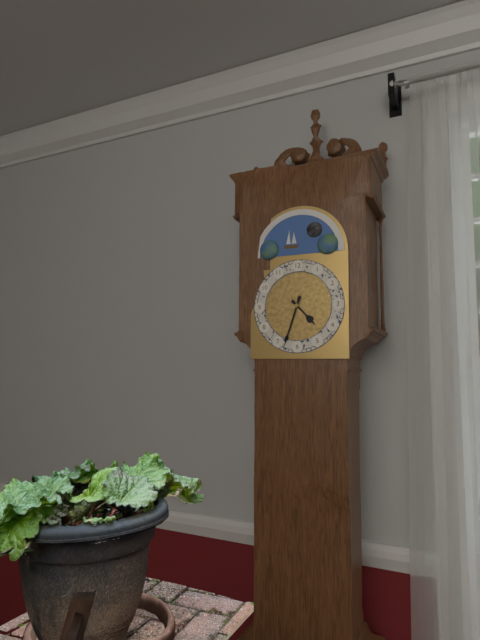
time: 4:33
